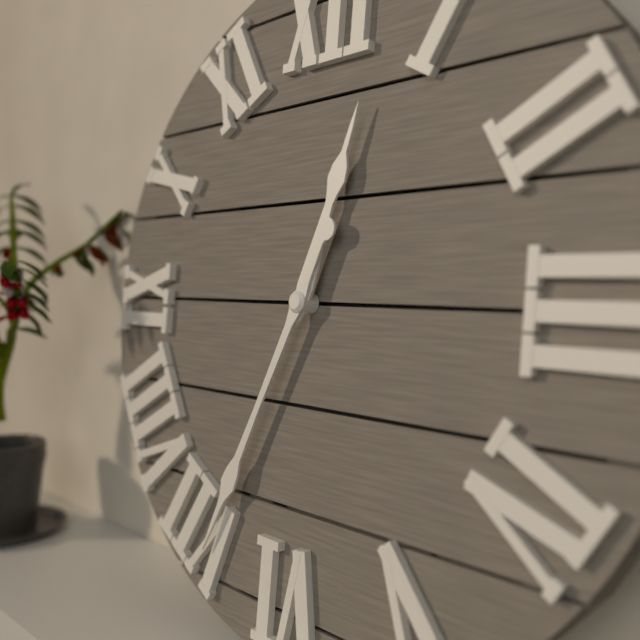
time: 12:34
